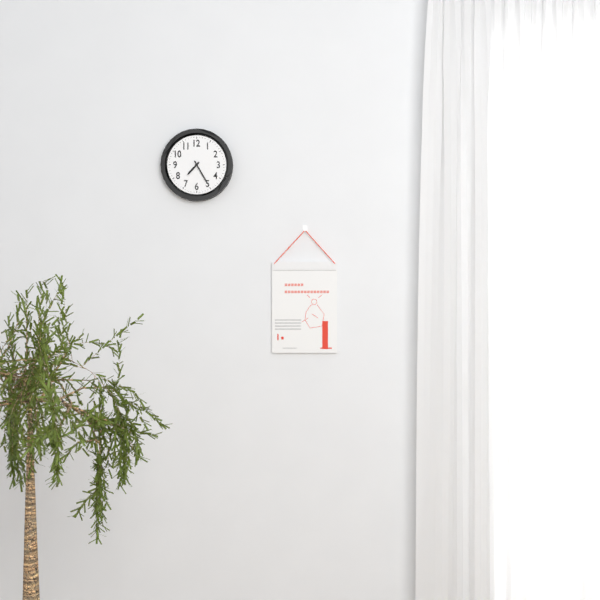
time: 7:25
